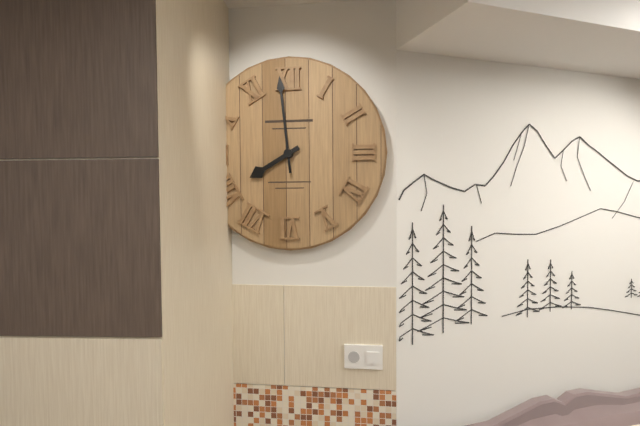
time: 7:59
